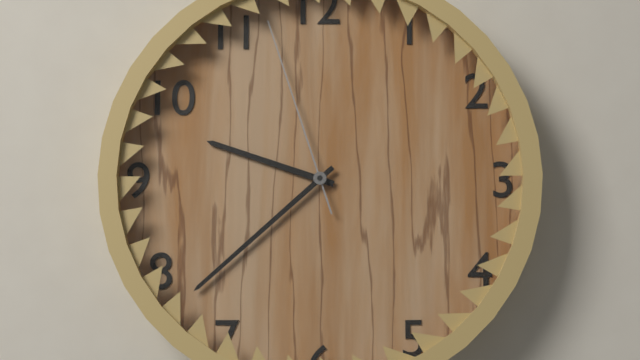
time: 9:38:57
